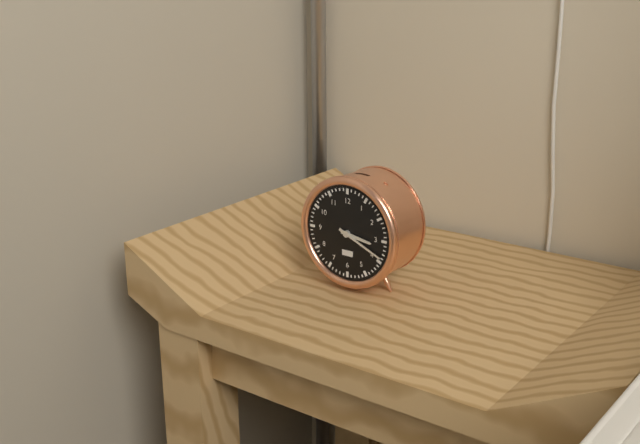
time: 3:19
